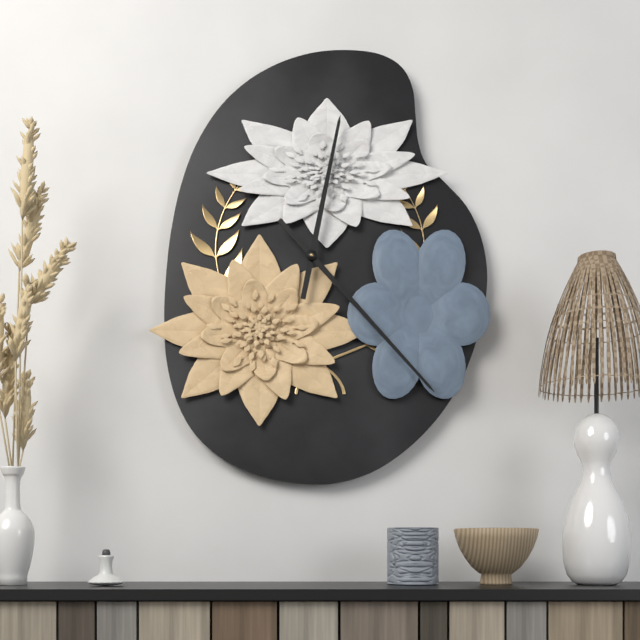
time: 12:23
